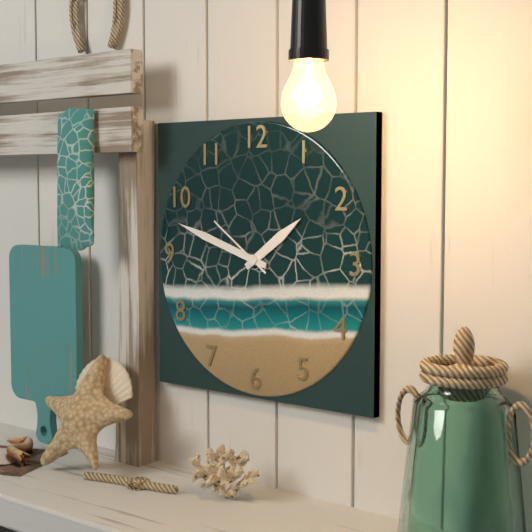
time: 1:48:51
